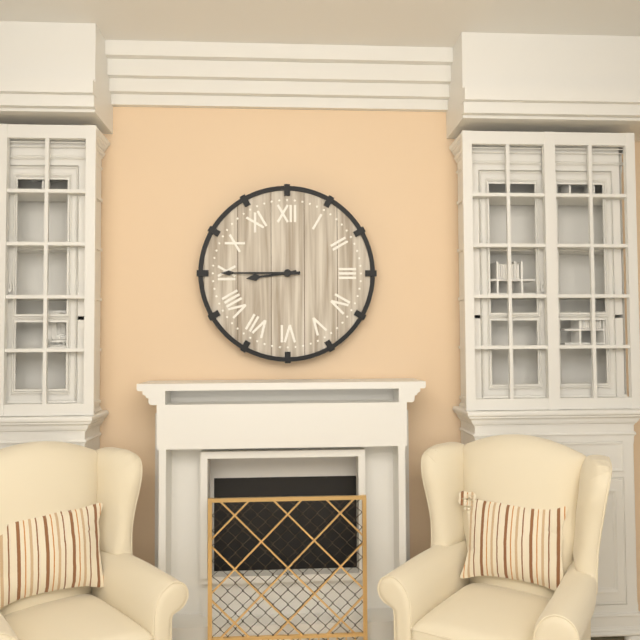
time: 8:45
